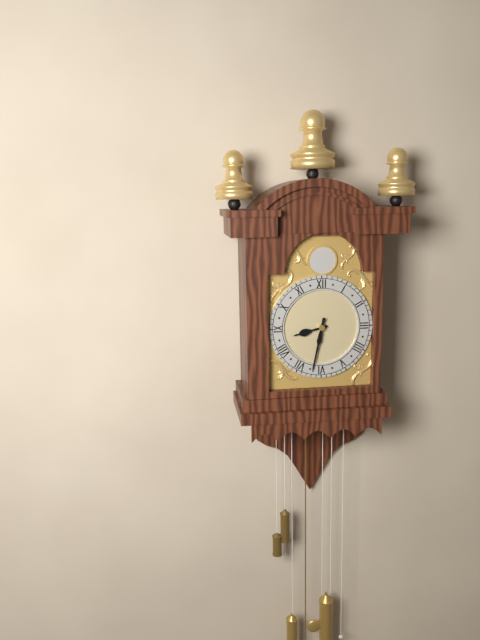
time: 8:32
